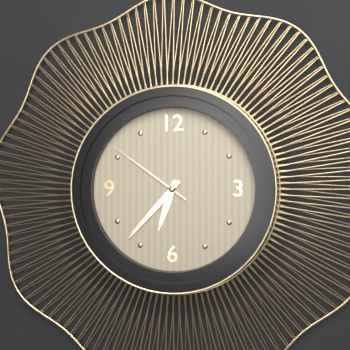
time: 6:37:51
